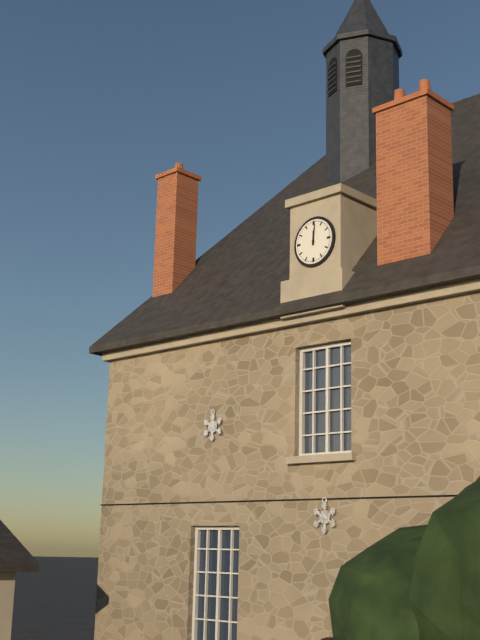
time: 12:01
